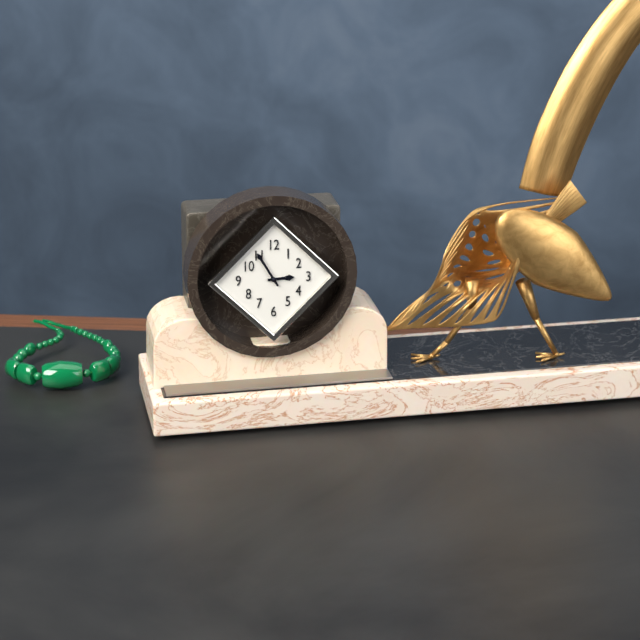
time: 2:55
